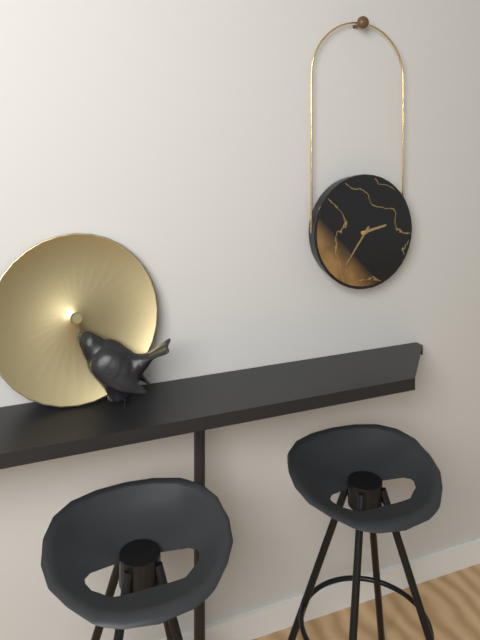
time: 2:36
